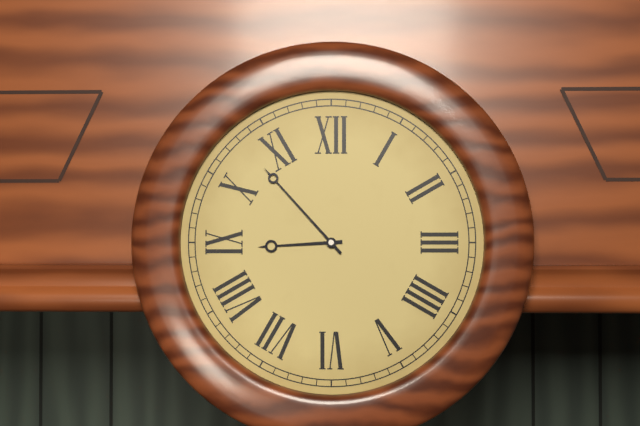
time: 8:53
